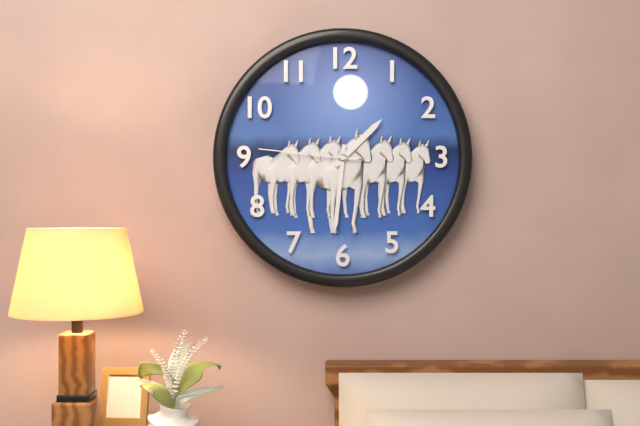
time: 1:31:46
